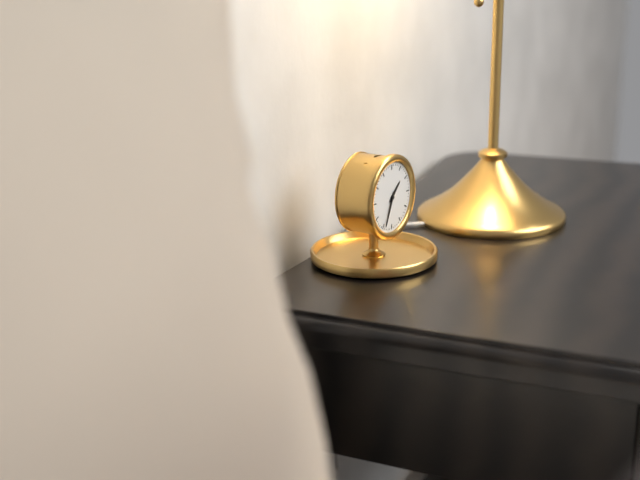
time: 1:34
